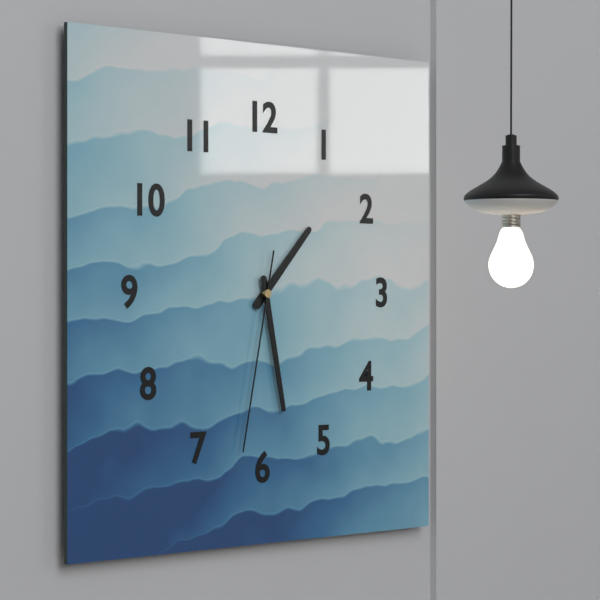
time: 1:28:32
